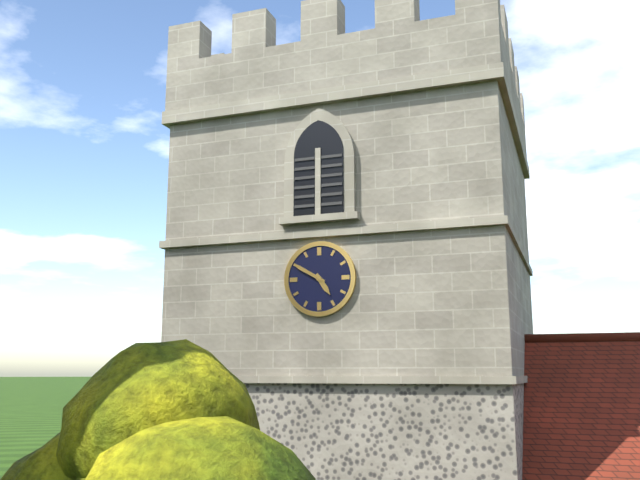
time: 4:50
